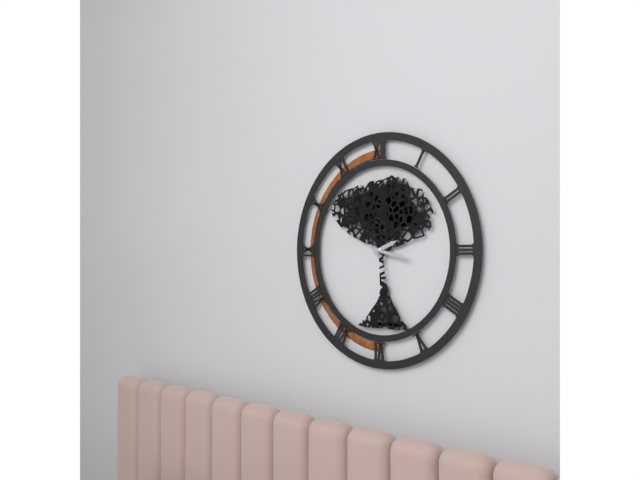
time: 2:17
